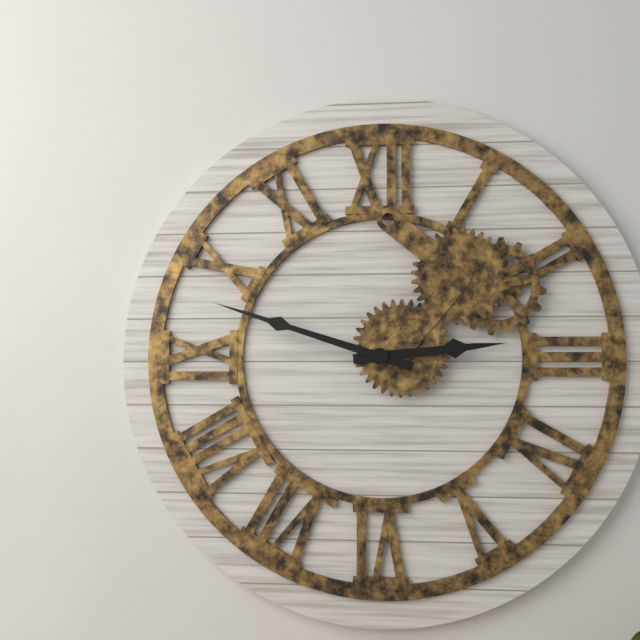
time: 2:48
